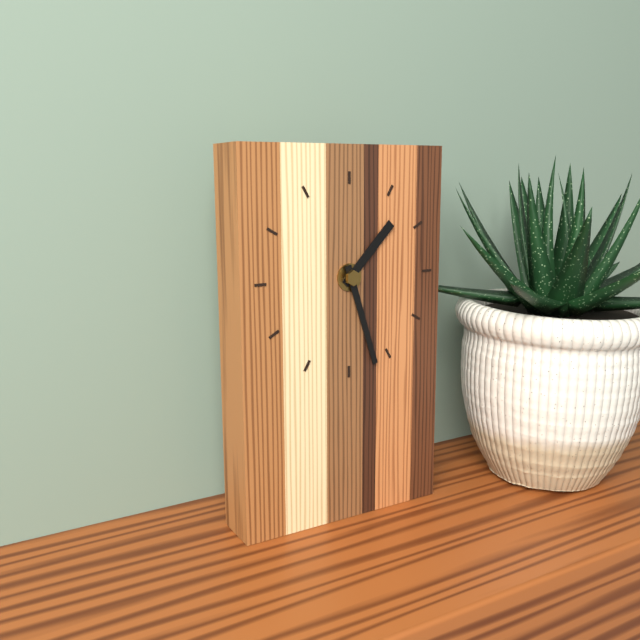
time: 1:27
